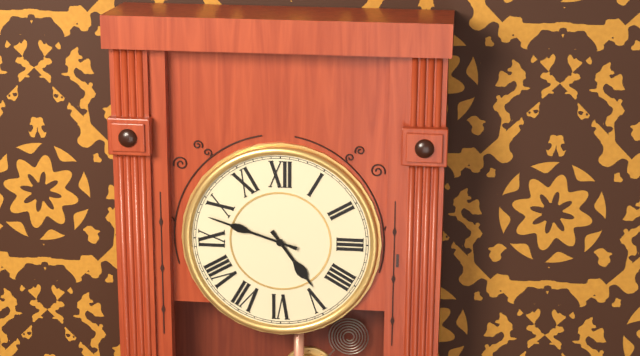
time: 4:48
